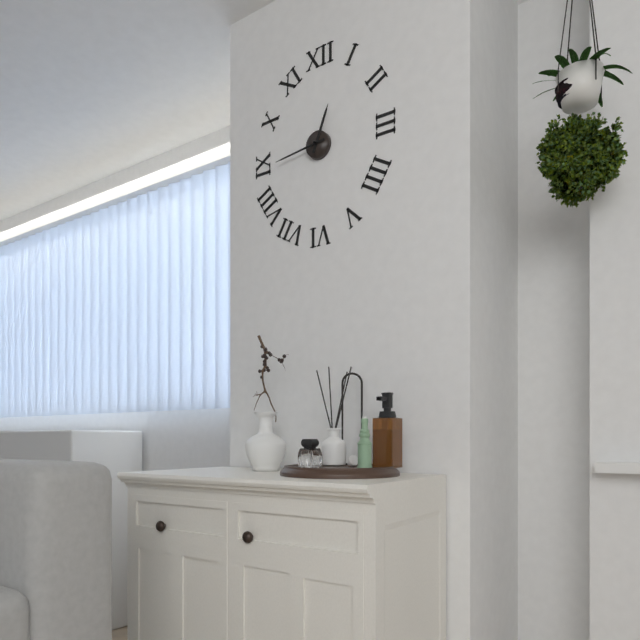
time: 12:44
